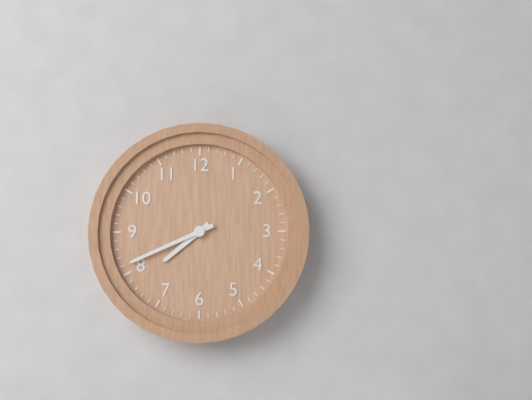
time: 7:41
